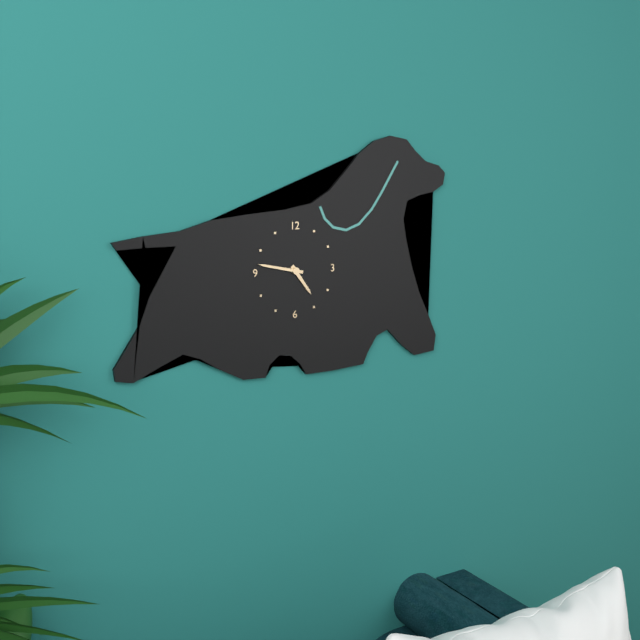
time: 4:47
